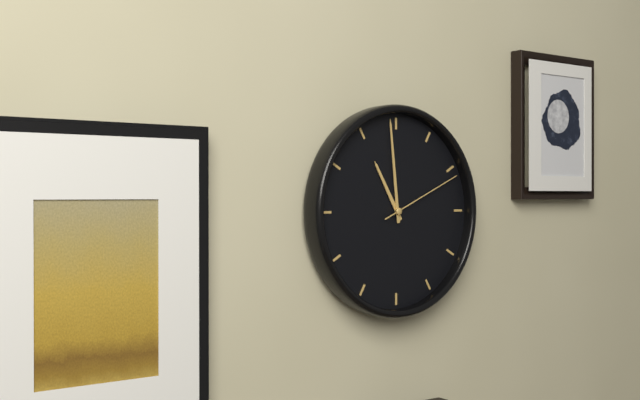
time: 10:59:11
